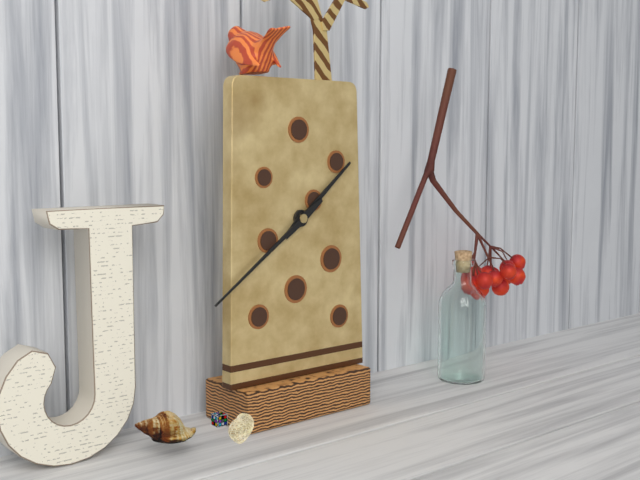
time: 1:39
